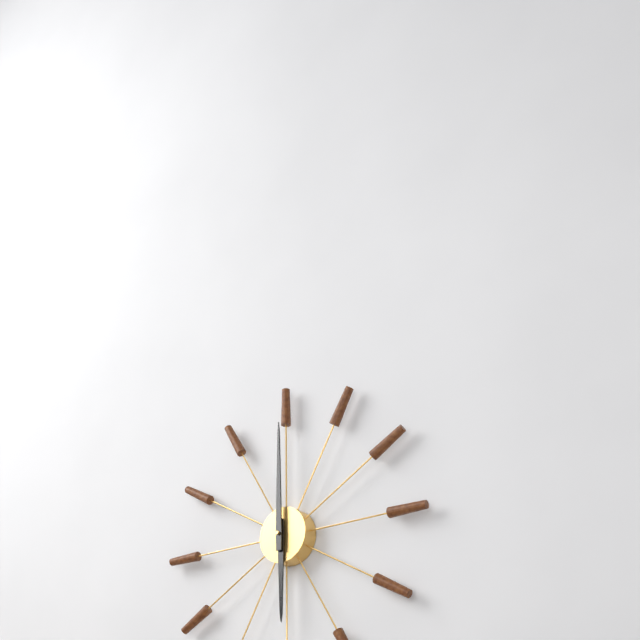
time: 6:00
